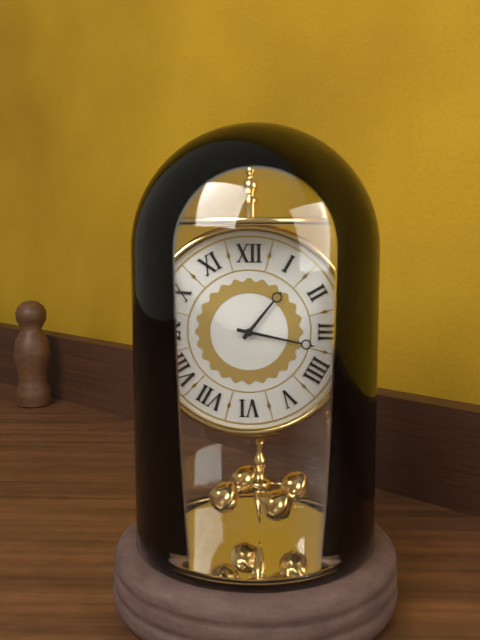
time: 1:17
